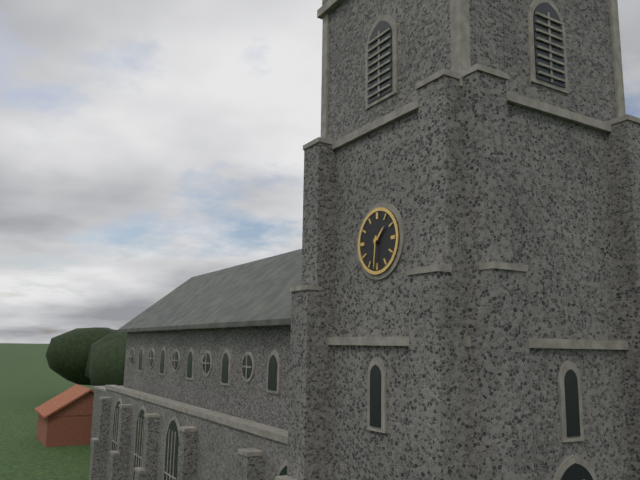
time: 1:31
